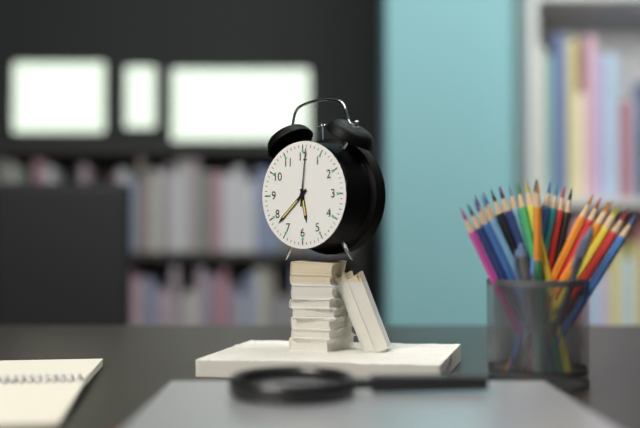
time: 5:38:01
